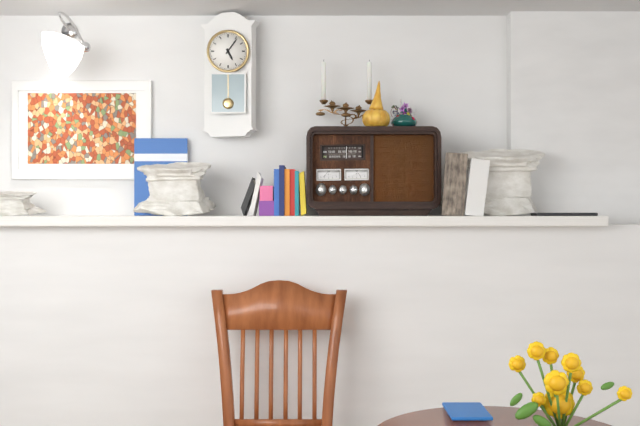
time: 5:06
